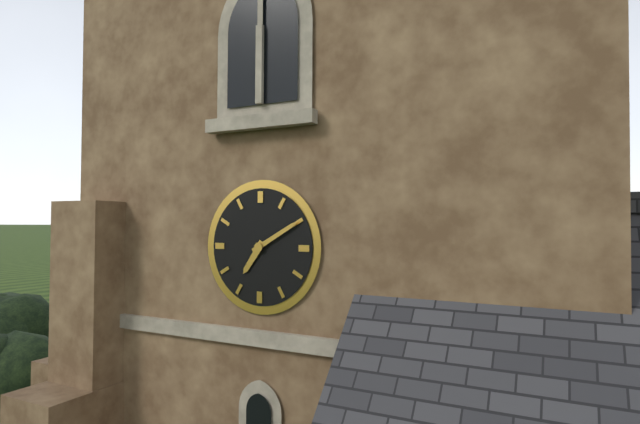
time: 7:10
